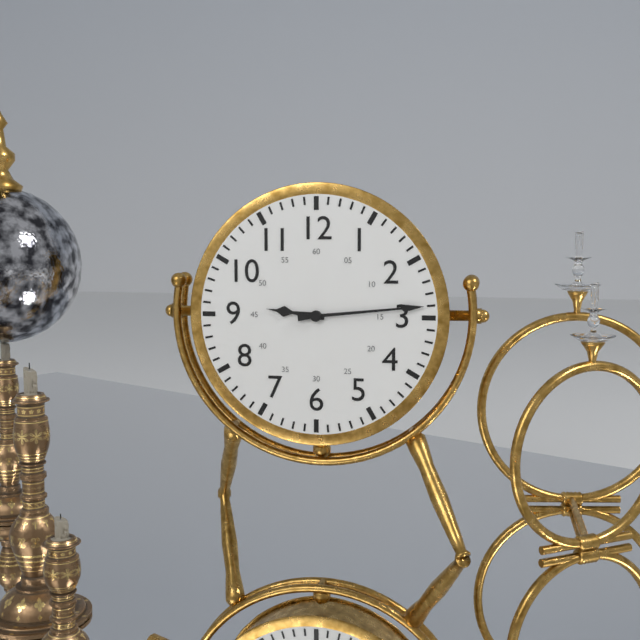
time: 9:14
